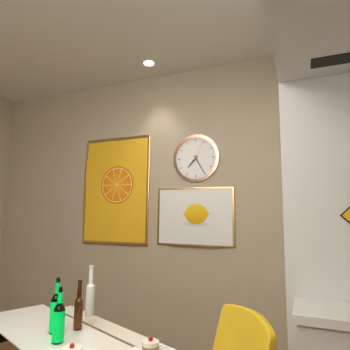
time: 7:25
